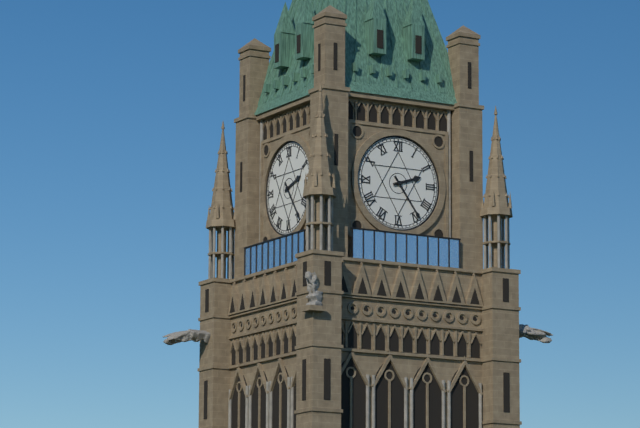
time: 2:24
